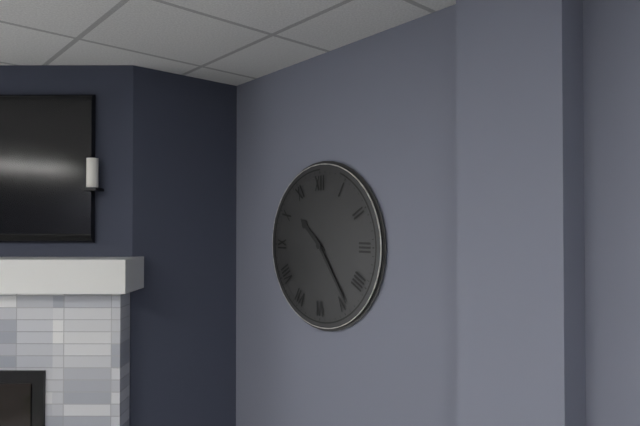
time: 10:24
